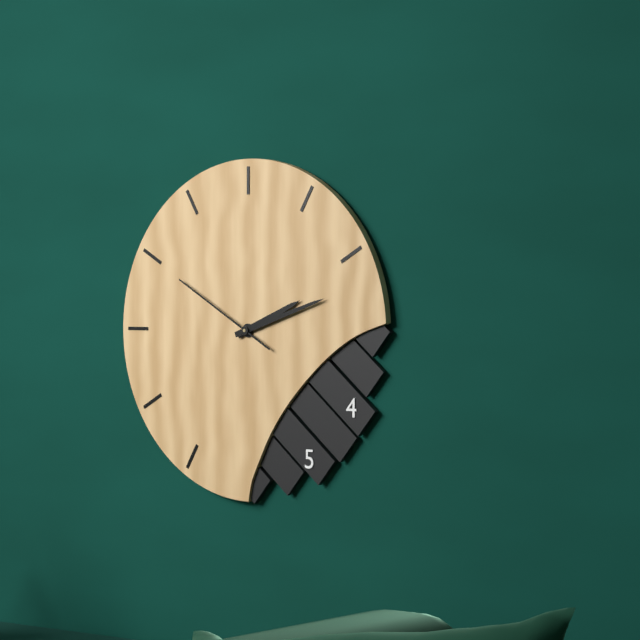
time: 2:12:50
